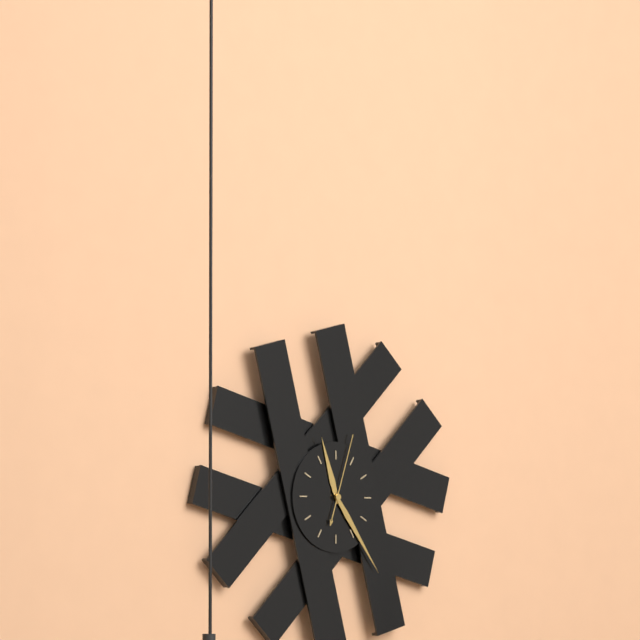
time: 11:24:03
